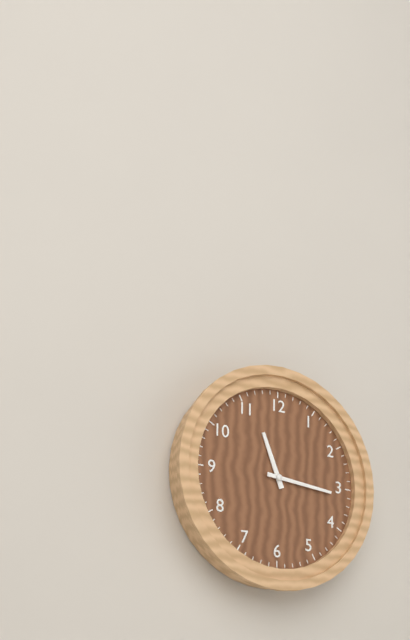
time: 11:16
